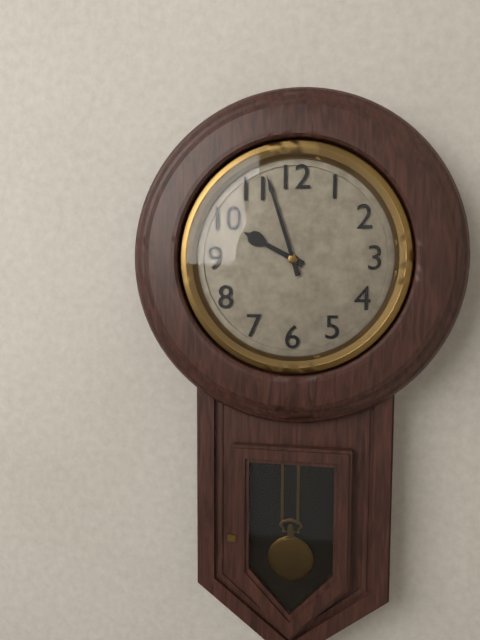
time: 9:57
